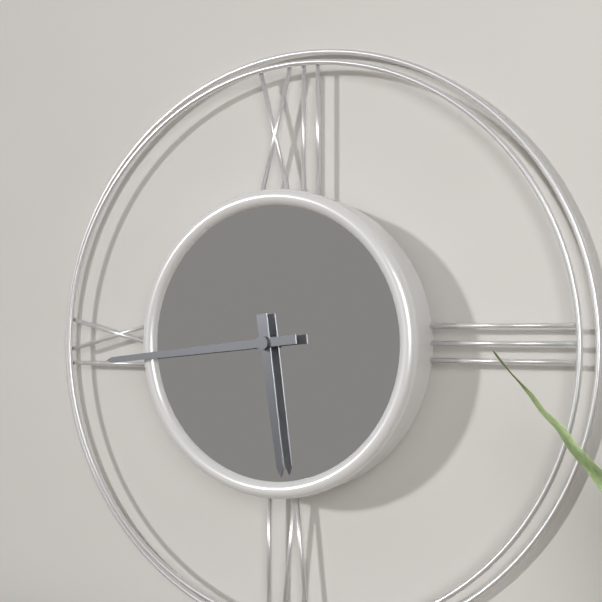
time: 5:44
